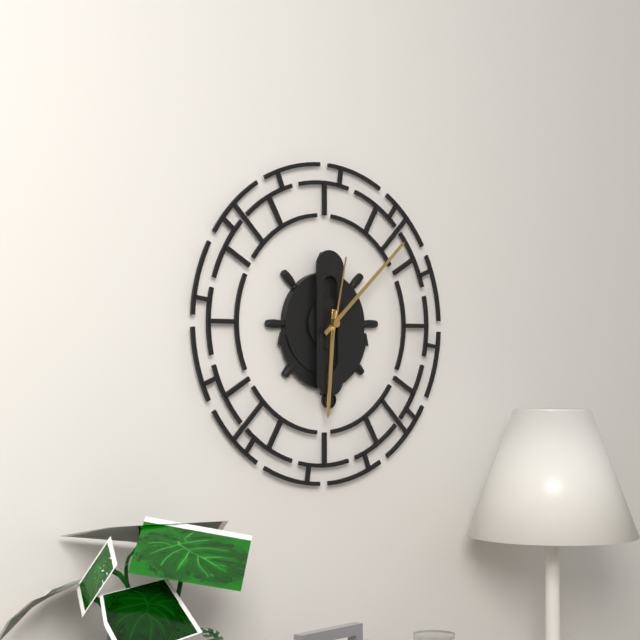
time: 6:08:02
